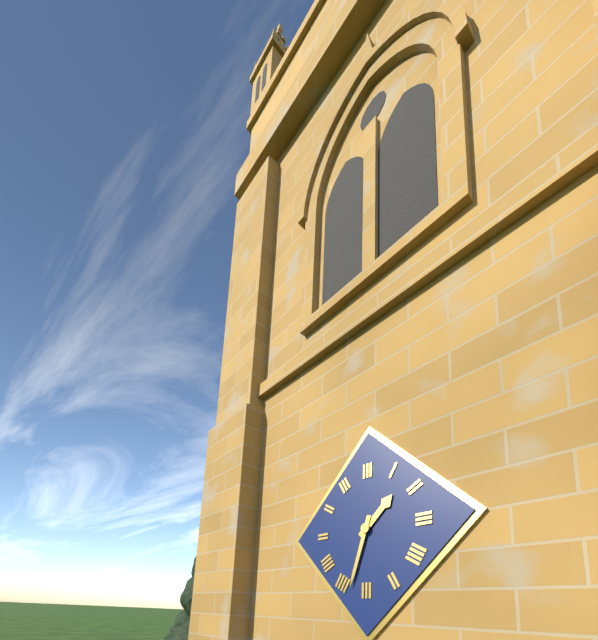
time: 1:33
